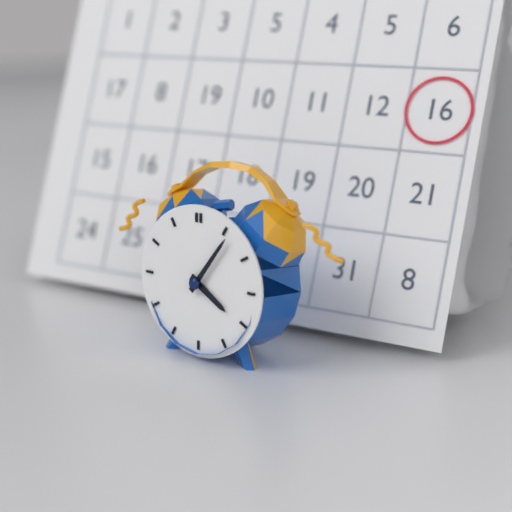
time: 4:06
